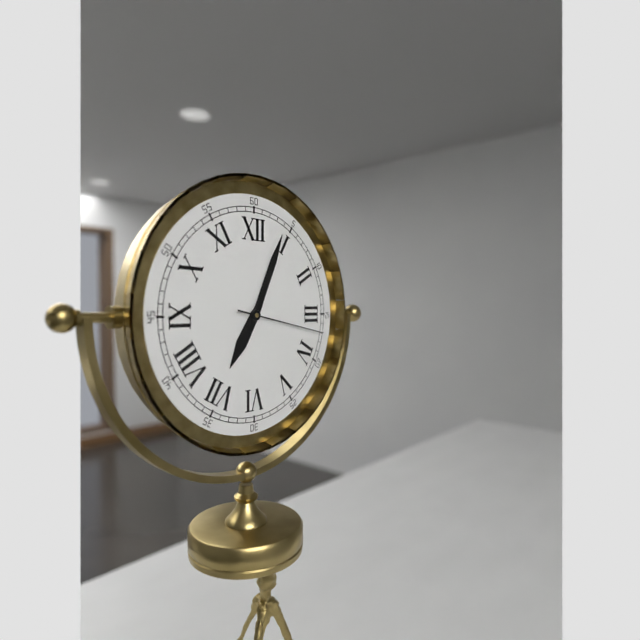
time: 7:04:17
